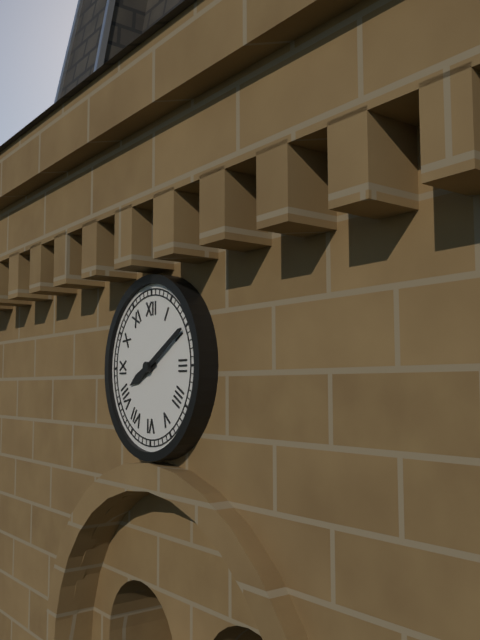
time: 8:10
